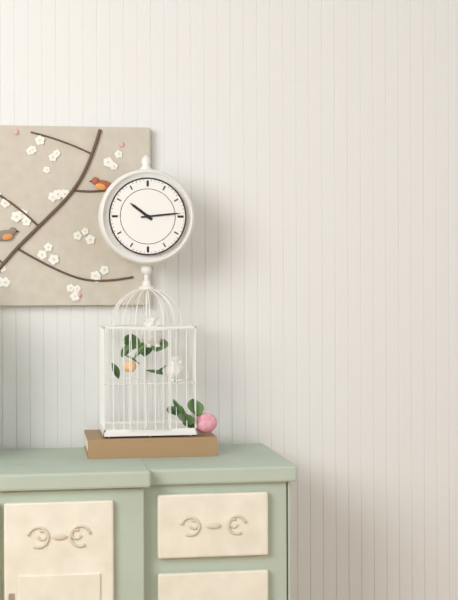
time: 10:14
